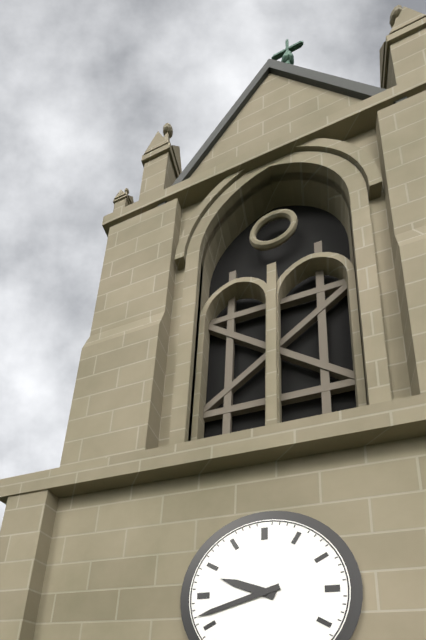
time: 9:42
